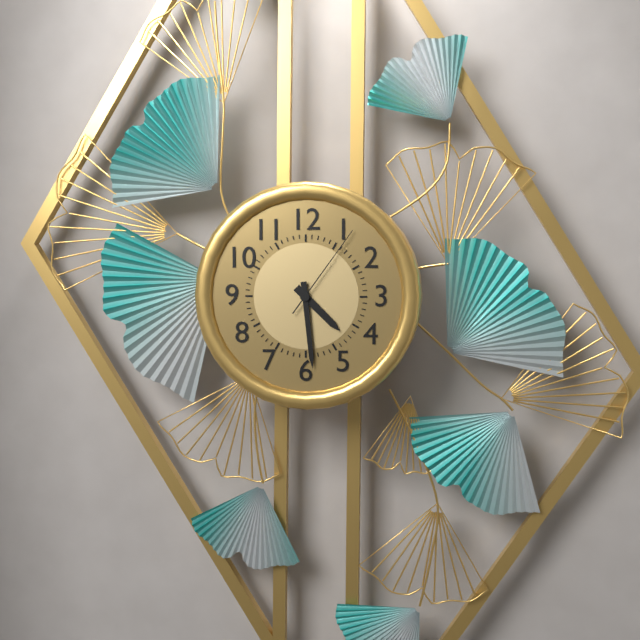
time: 4:29:06
